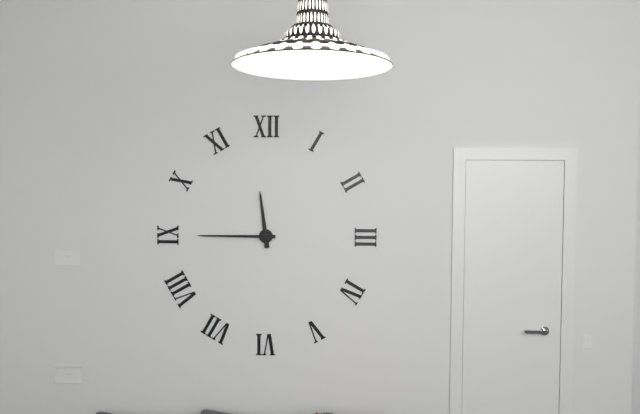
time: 11:45
